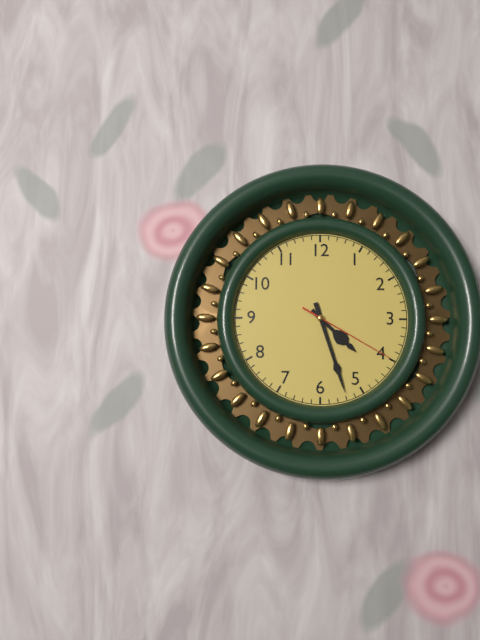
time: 4:27:20
